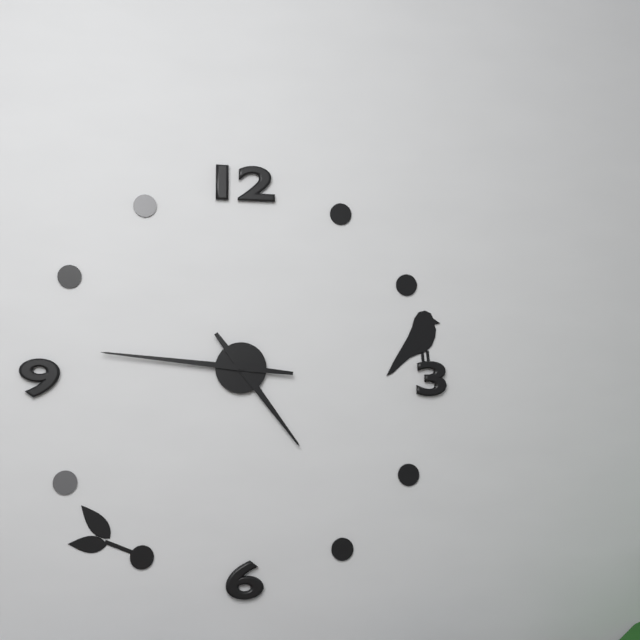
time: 4:46
